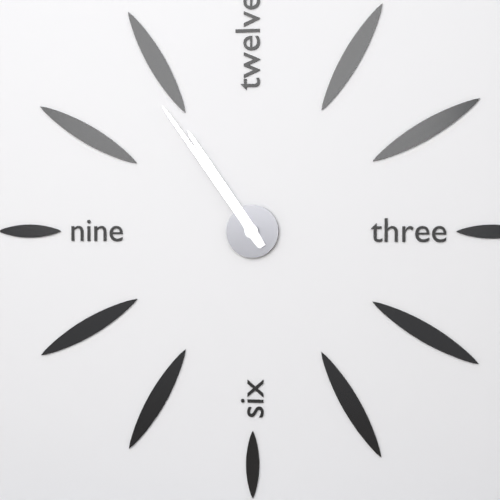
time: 10:54
